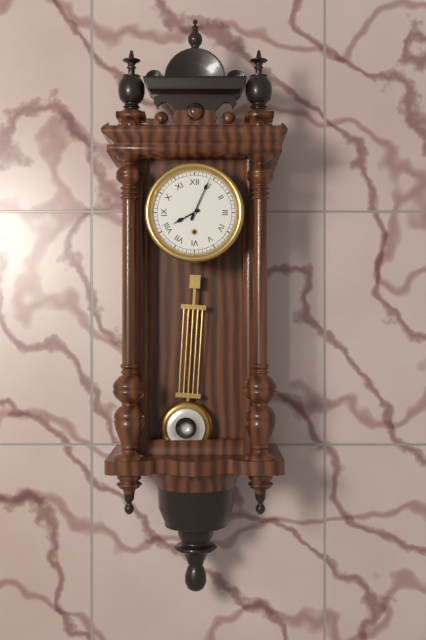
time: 8:04
